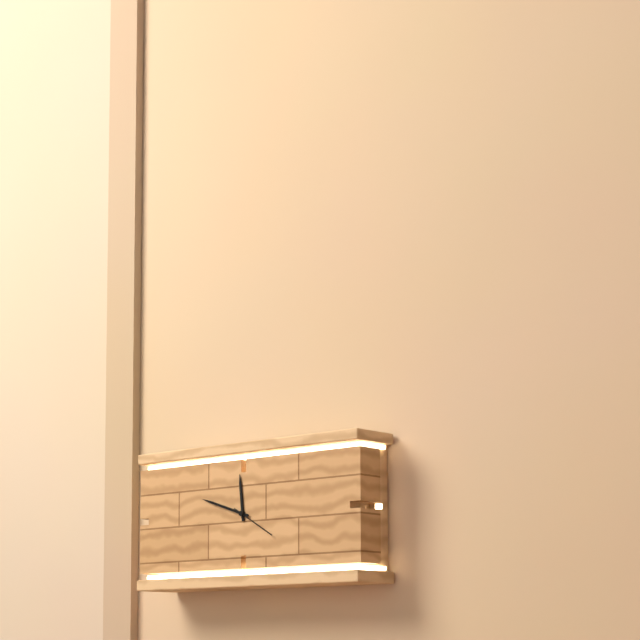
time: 11:48
